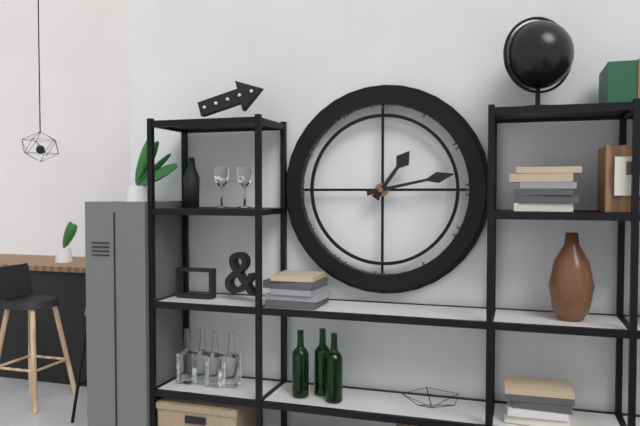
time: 1:13
